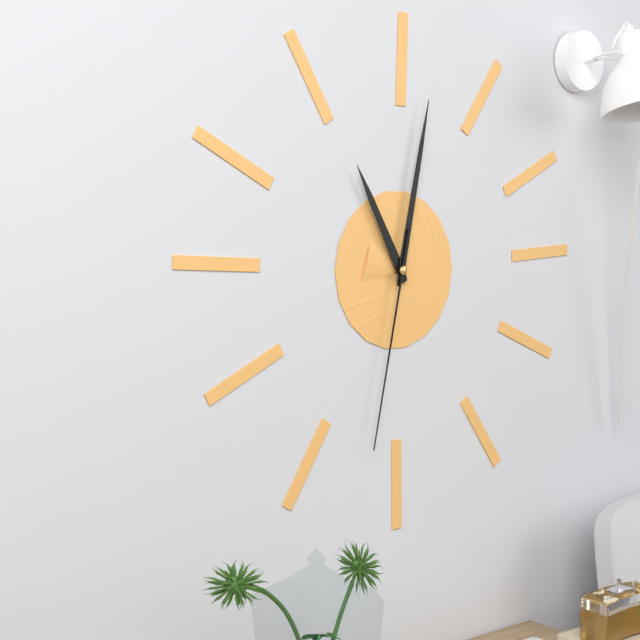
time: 11:02:32
